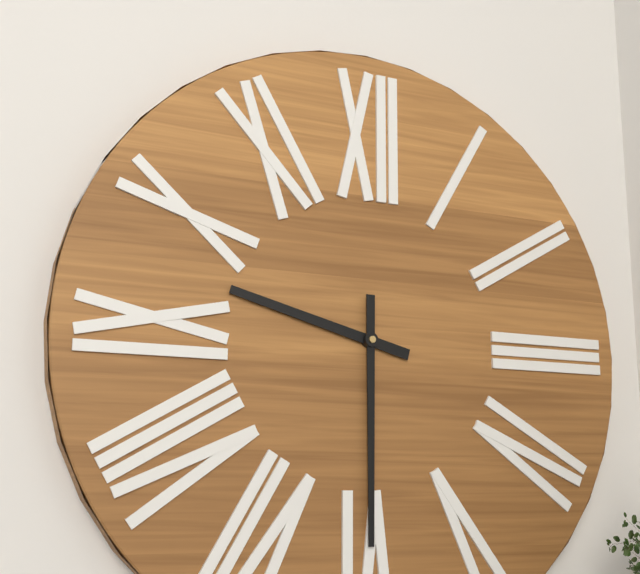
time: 9:30
